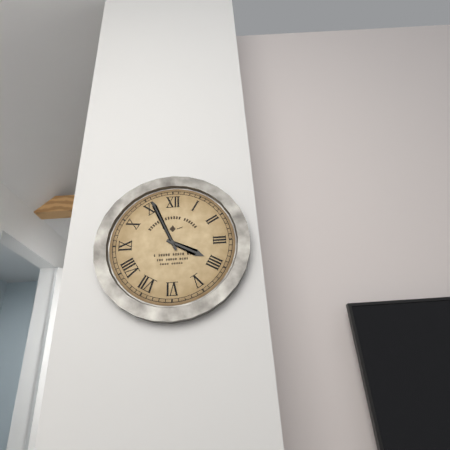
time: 3:56
